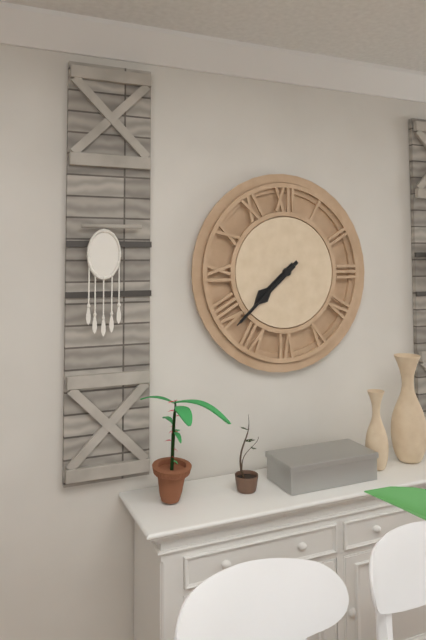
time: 7:38
